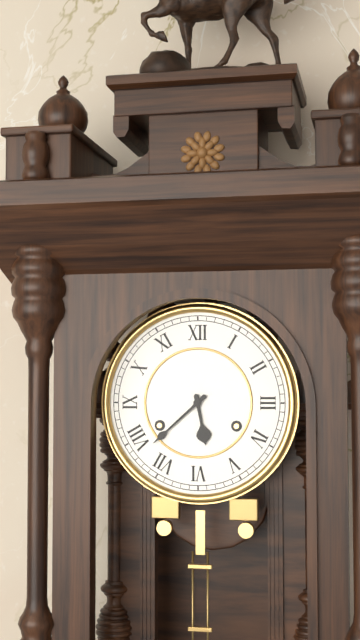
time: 5:38
